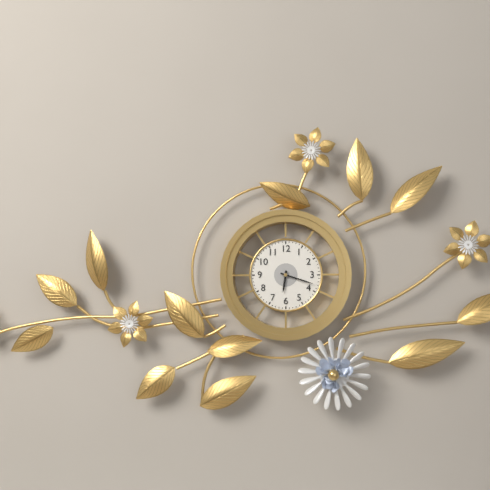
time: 6:18
